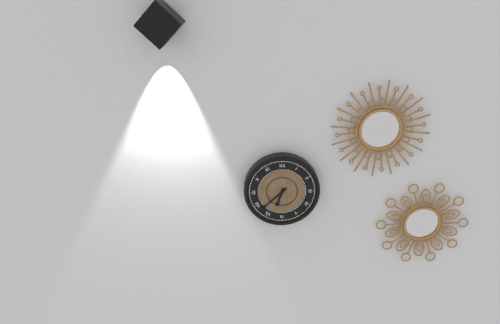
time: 6:38
